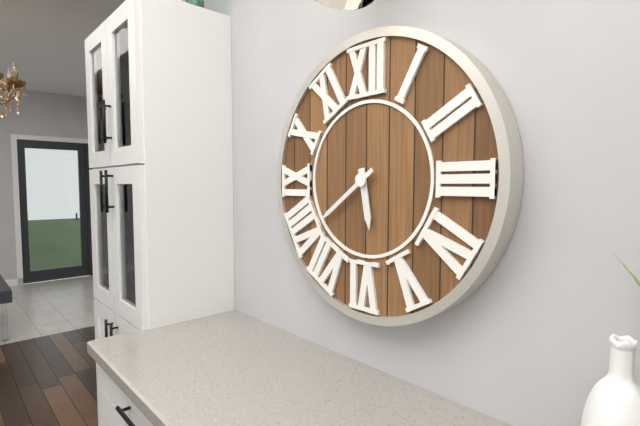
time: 5:39
